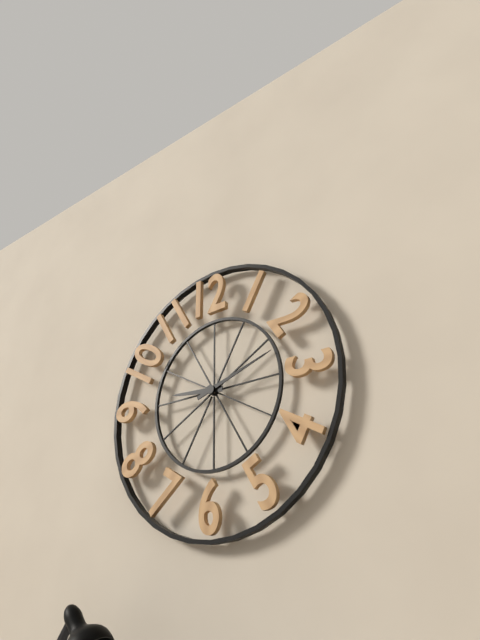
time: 9:12
